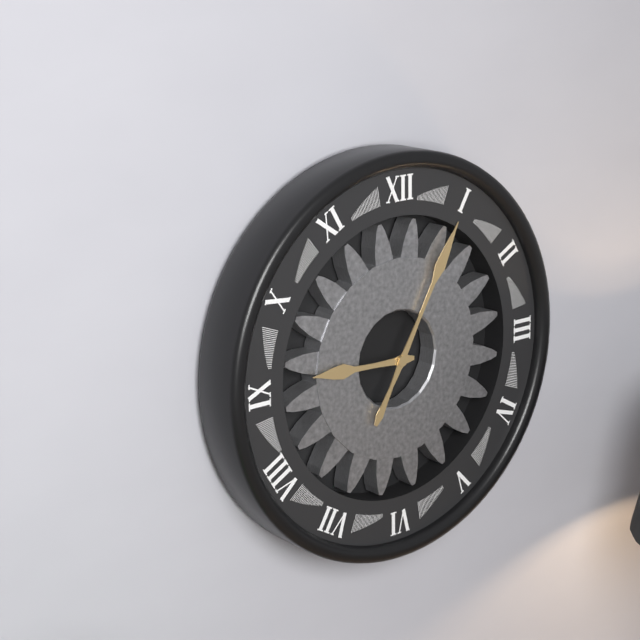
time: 9:05
